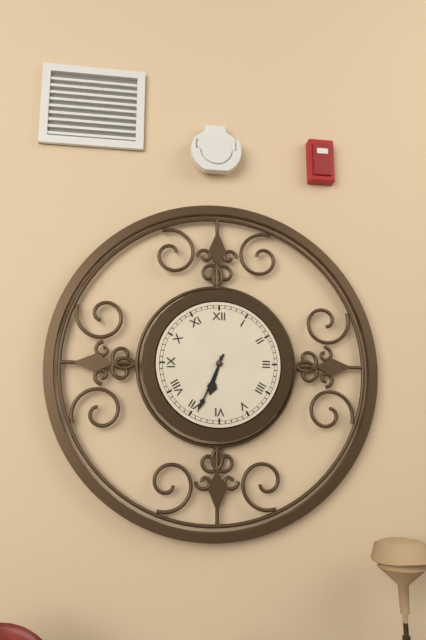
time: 6:34
